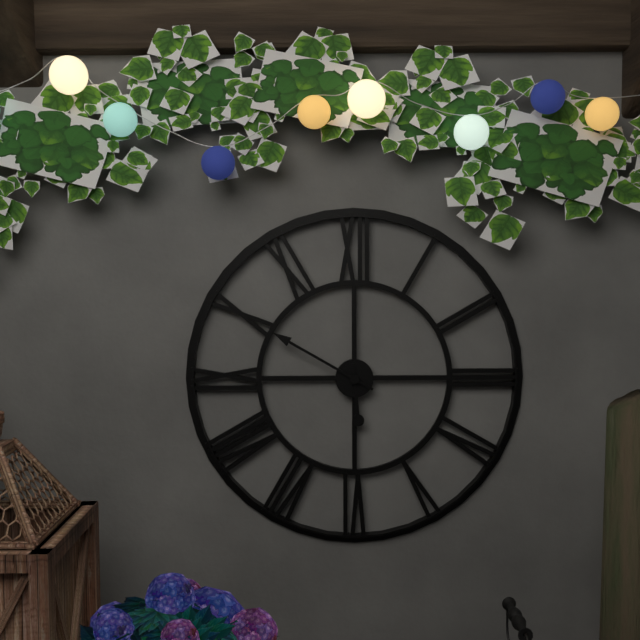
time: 5:50
